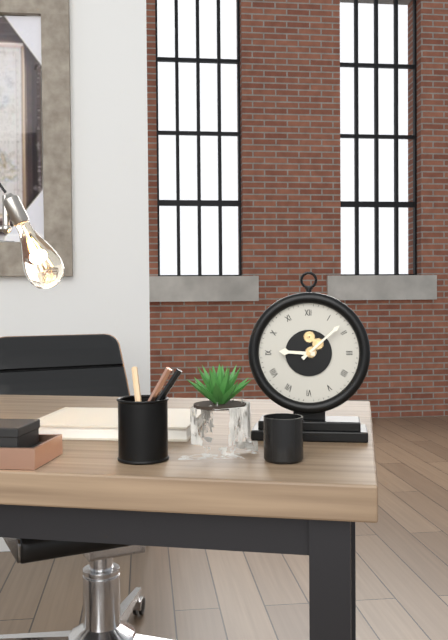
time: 9:08
